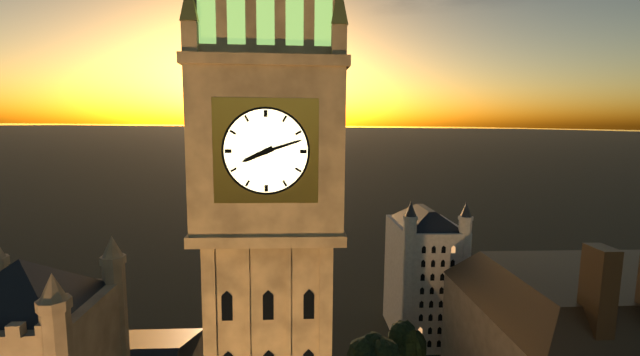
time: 8:12
